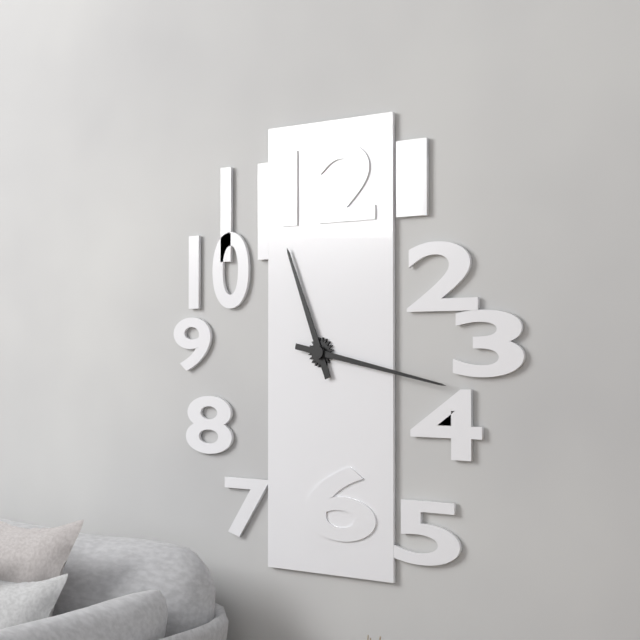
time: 11:17
